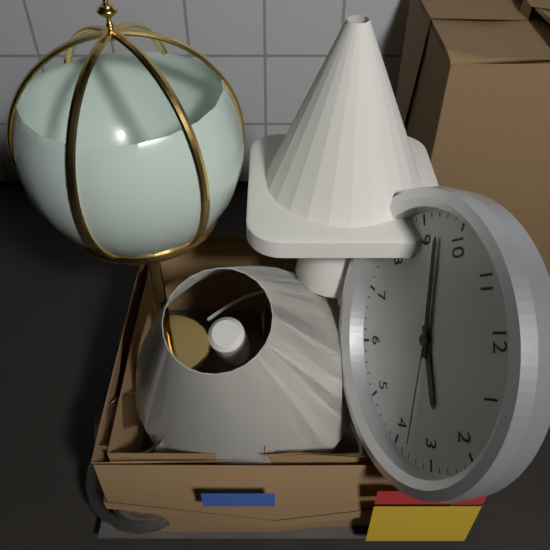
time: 2:47:18
